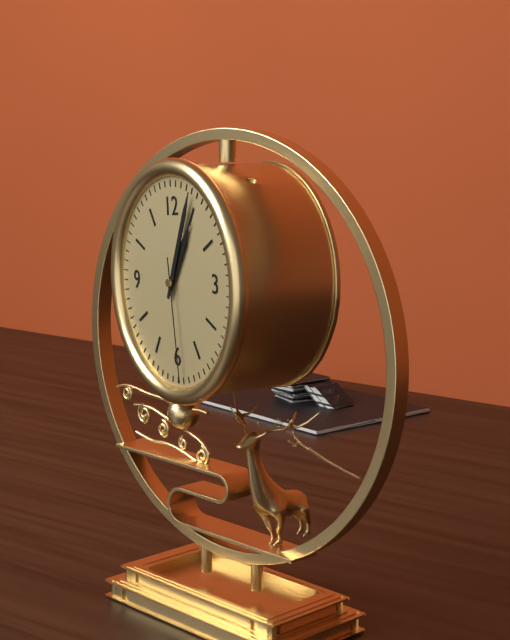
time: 1:04:29
